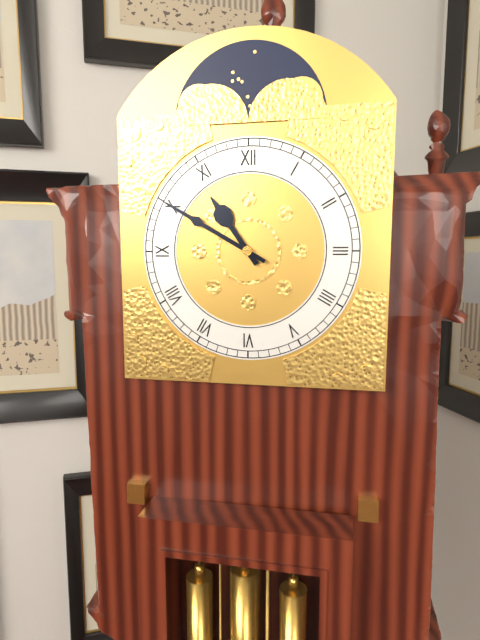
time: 10:50
